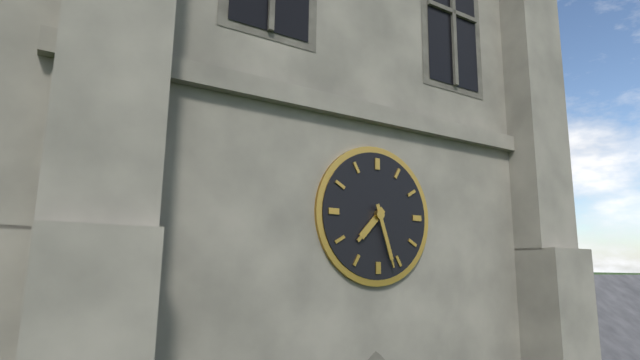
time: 7:27
